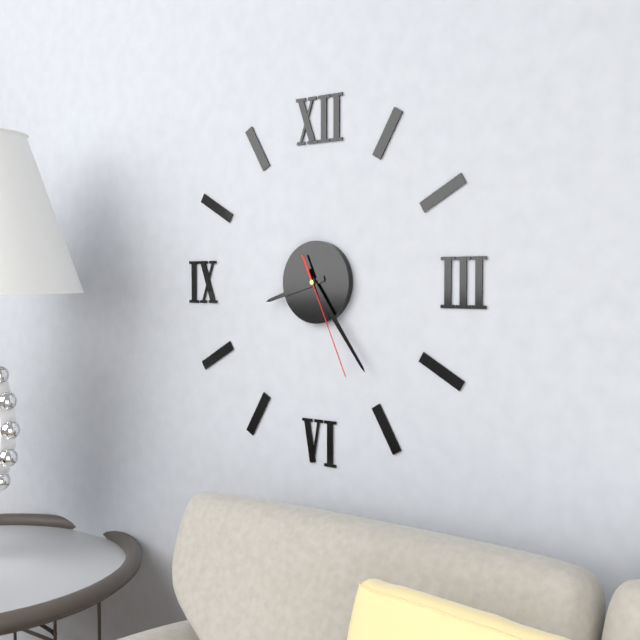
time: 8:24:26
